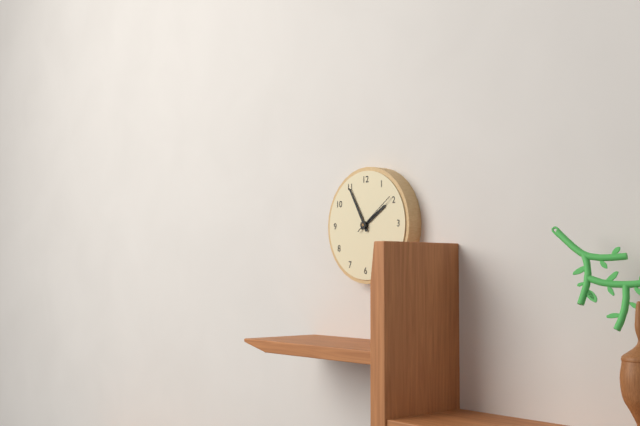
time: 1:55
